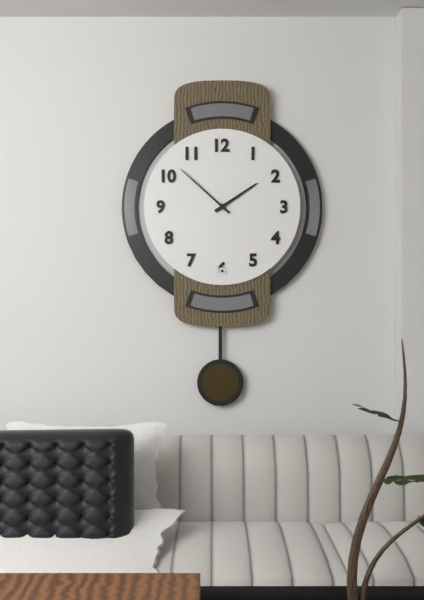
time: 1:52
